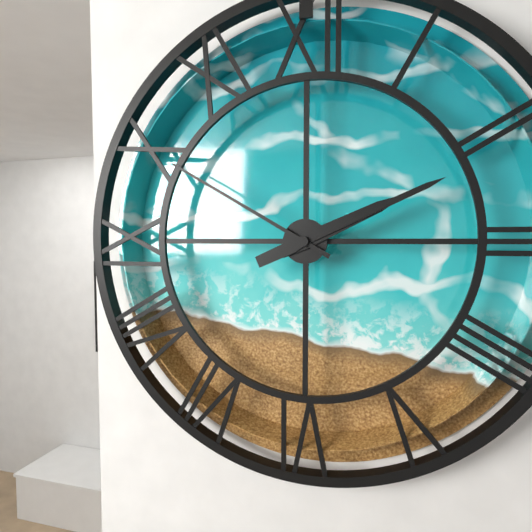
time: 2:11:50
